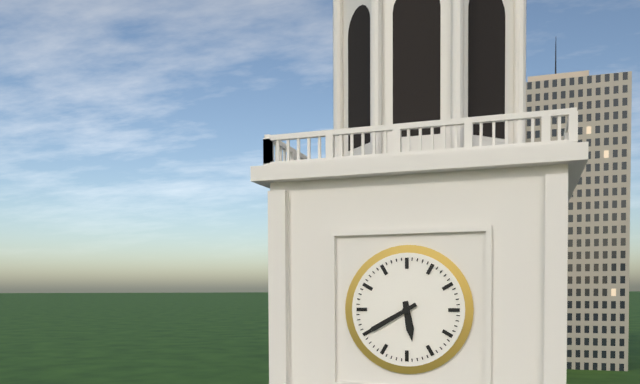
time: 5:40
